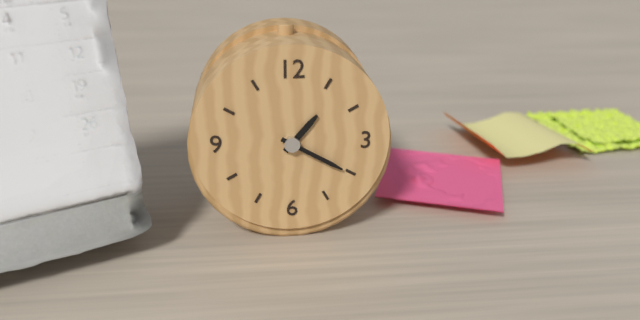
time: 1:20
